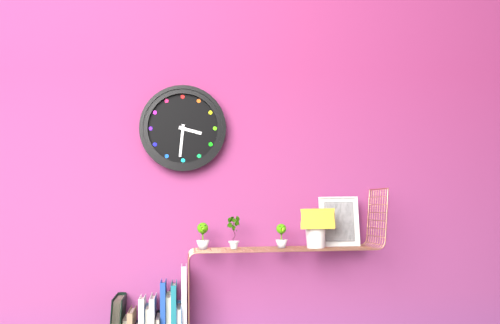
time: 3:31
